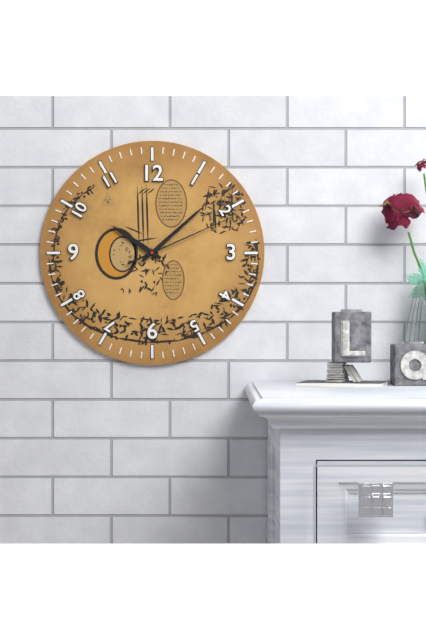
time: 10:08:11
